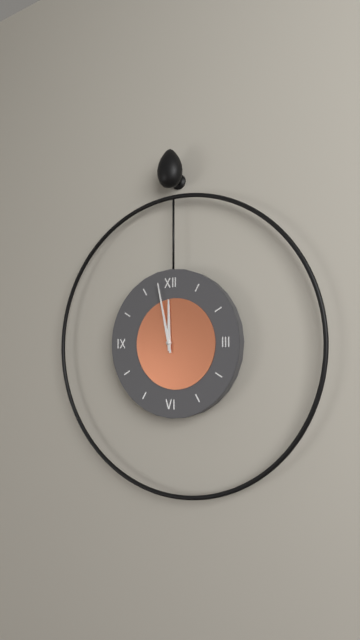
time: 11:58
